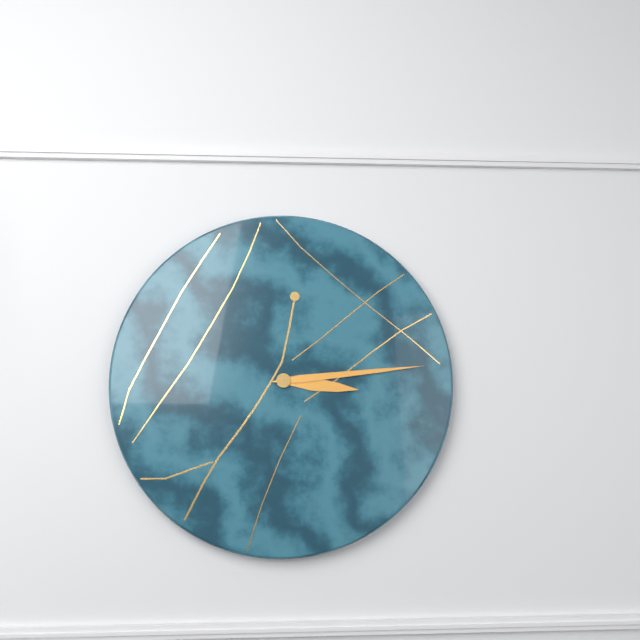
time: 3:14
